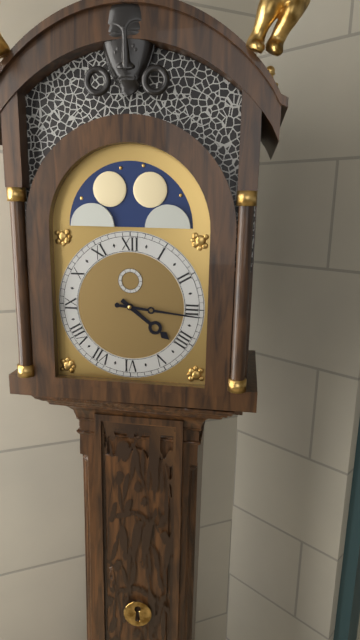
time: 4:16
